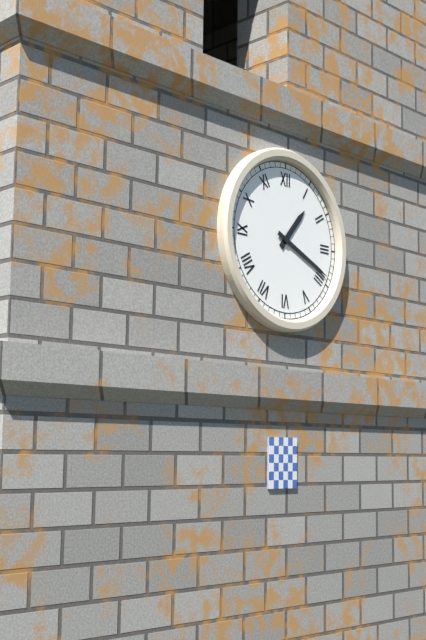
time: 1:19
